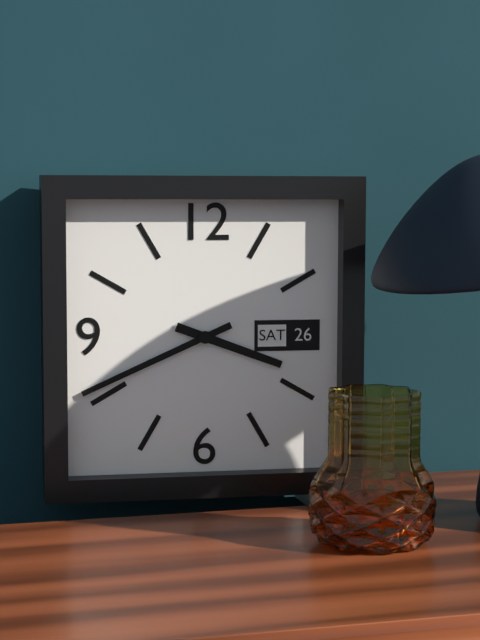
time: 3:41
